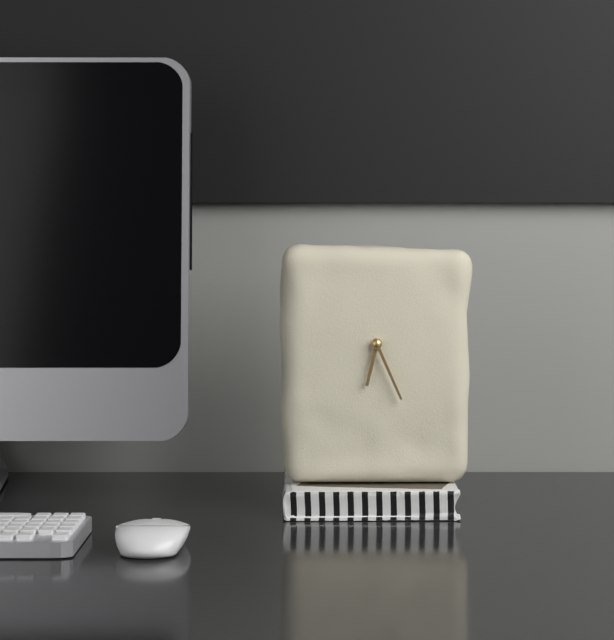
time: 6:26
